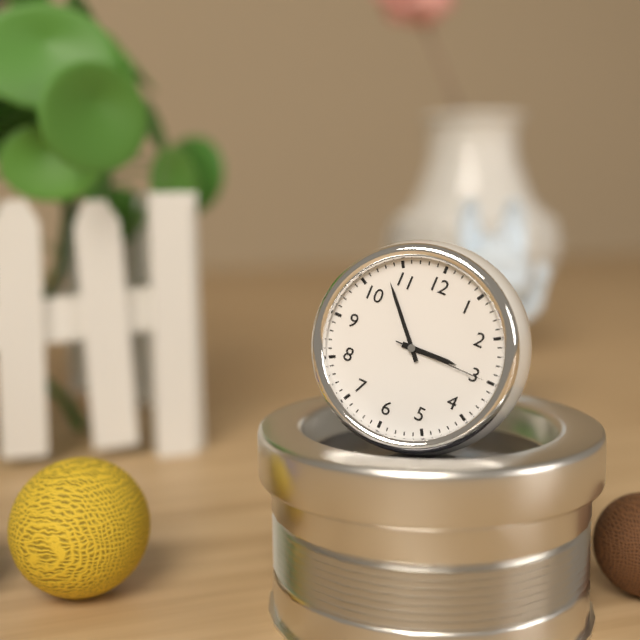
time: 2:53:15
